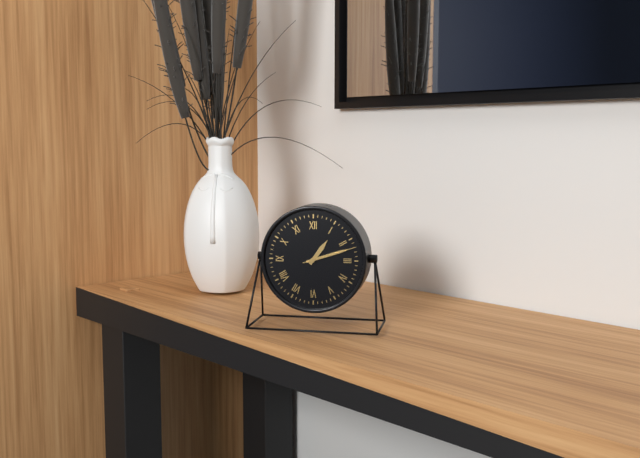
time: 1:12:12
